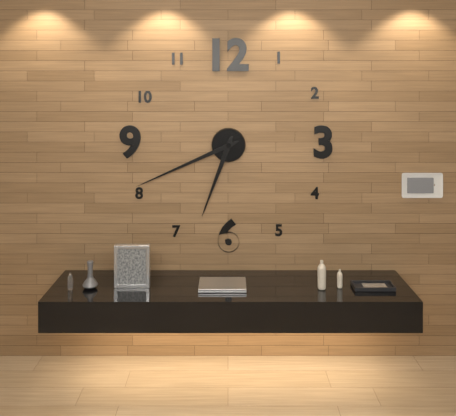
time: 6:41
